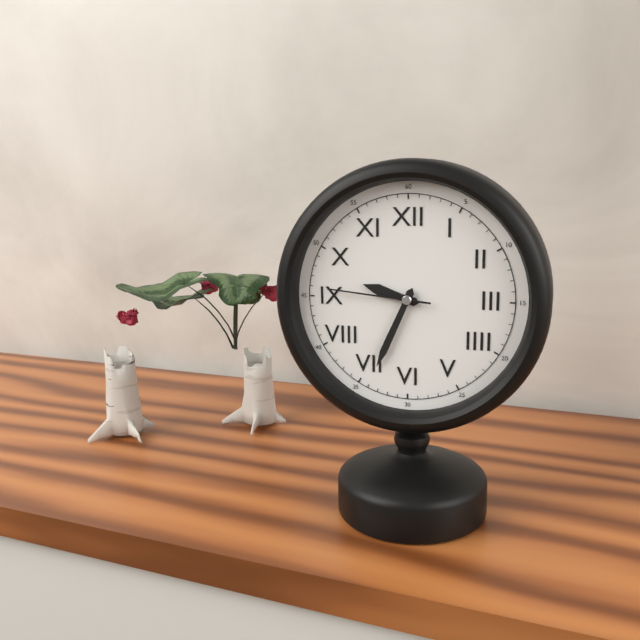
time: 9:34:46
